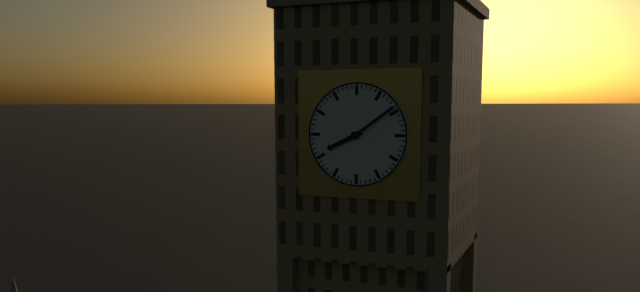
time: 8:09
